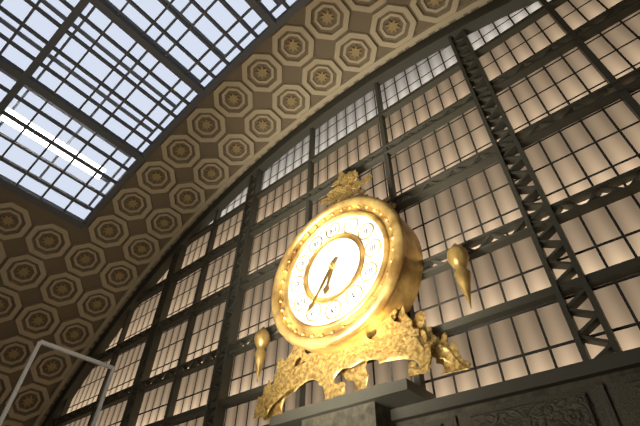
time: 6:36
